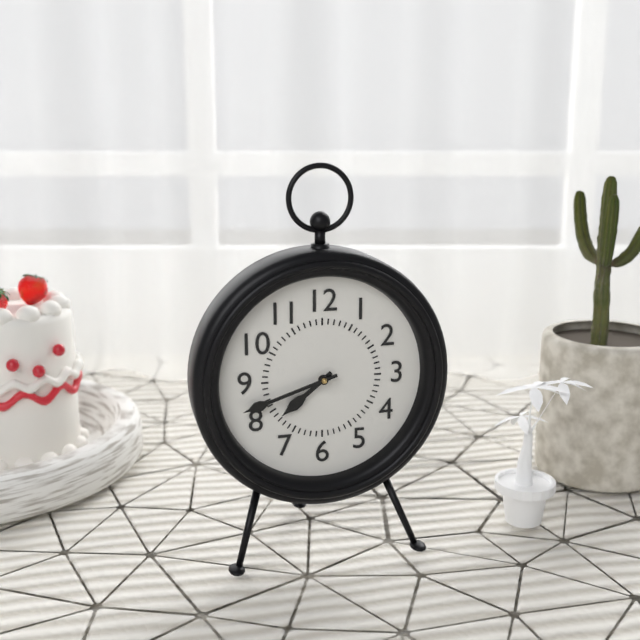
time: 7:42
